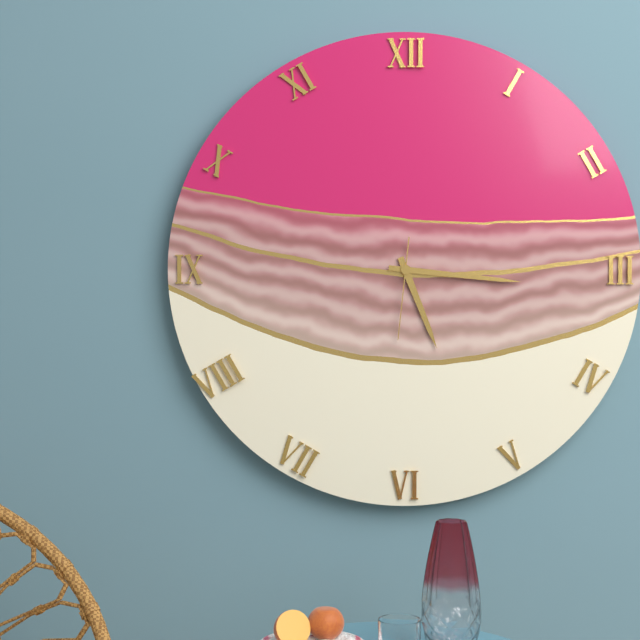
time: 5:16:31
